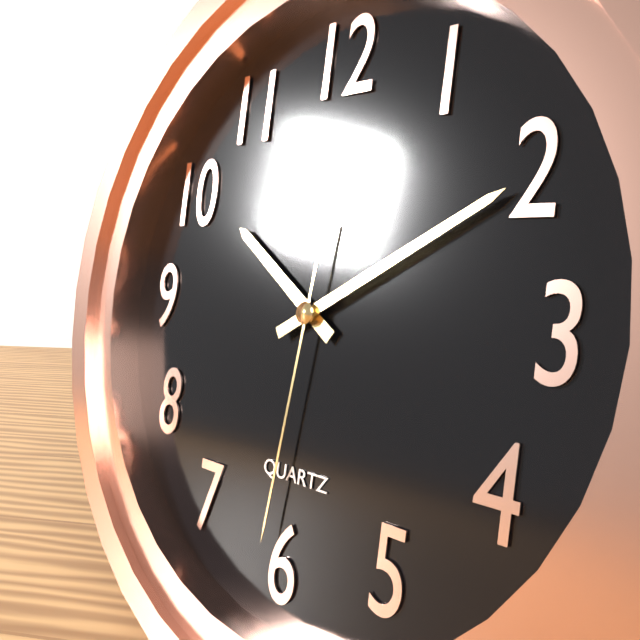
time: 10:10:31
